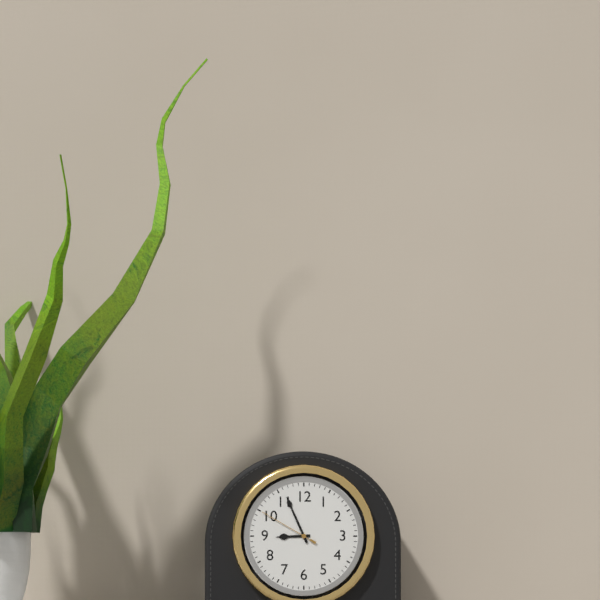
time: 8:56:50
